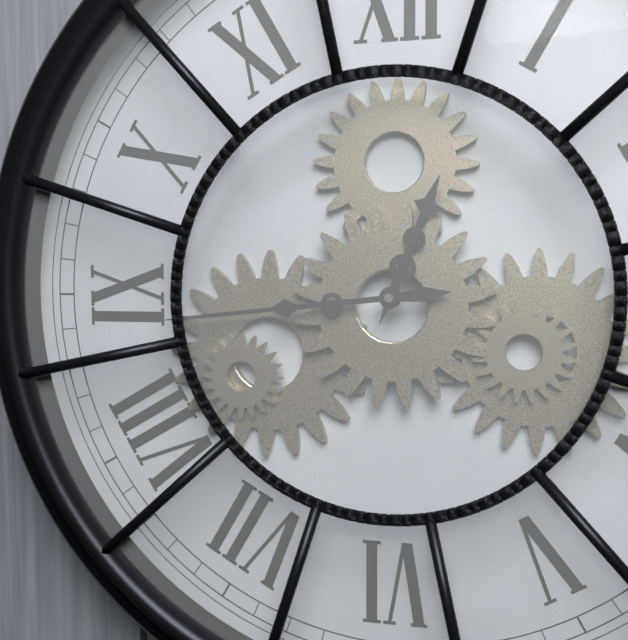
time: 12:44
